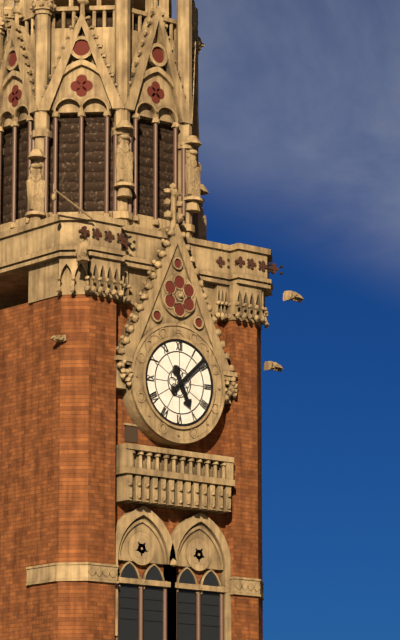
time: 5:08
